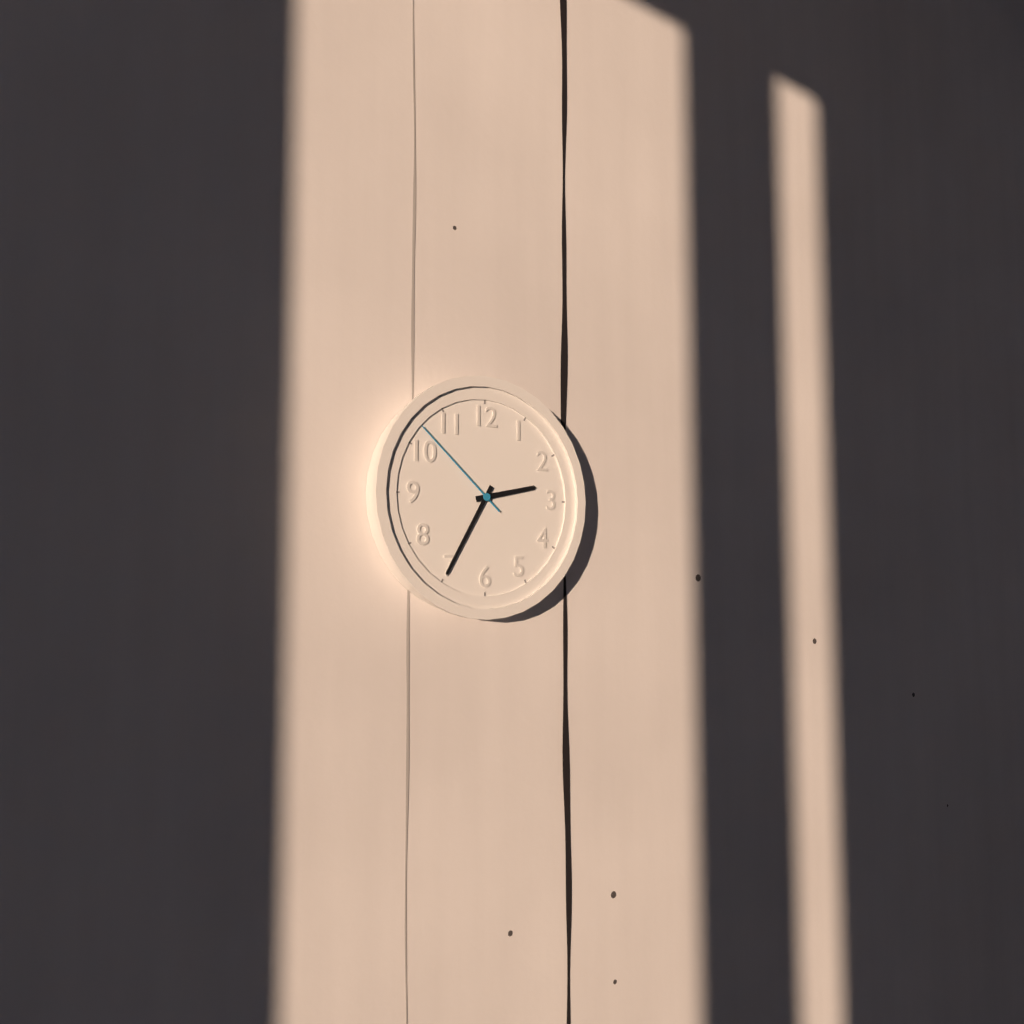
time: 2:35:52
